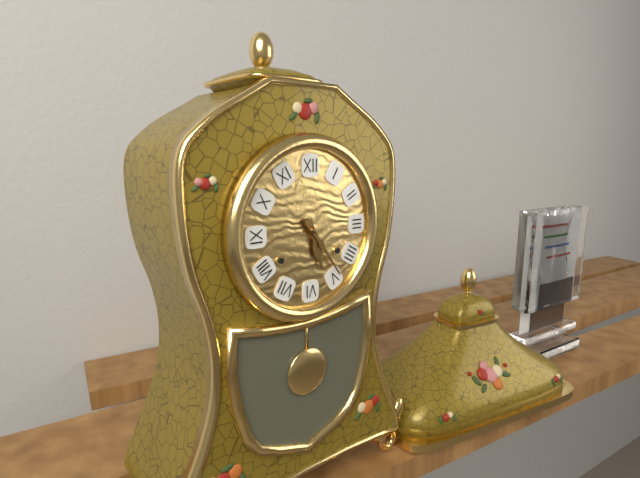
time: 5:24
